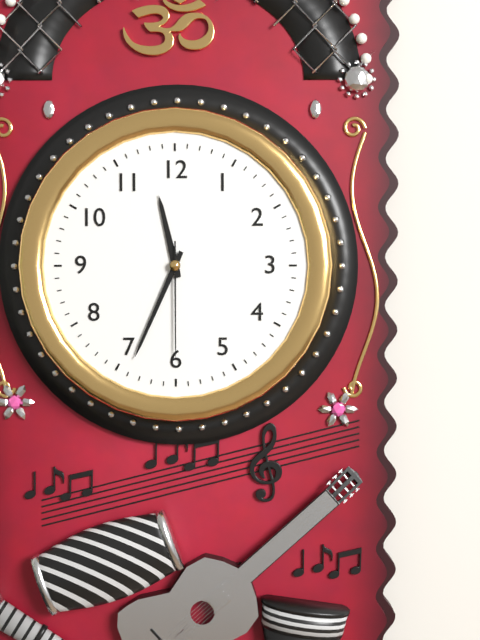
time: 11:34:30
